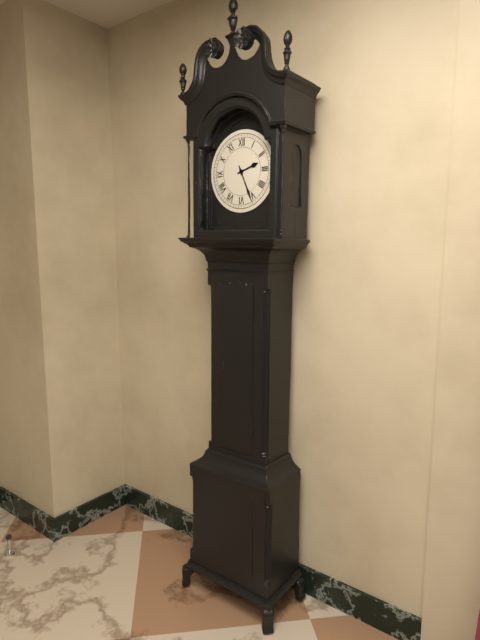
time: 2:26
